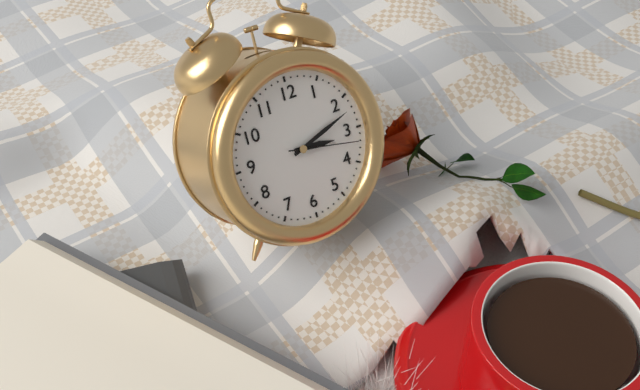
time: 3:12:17
